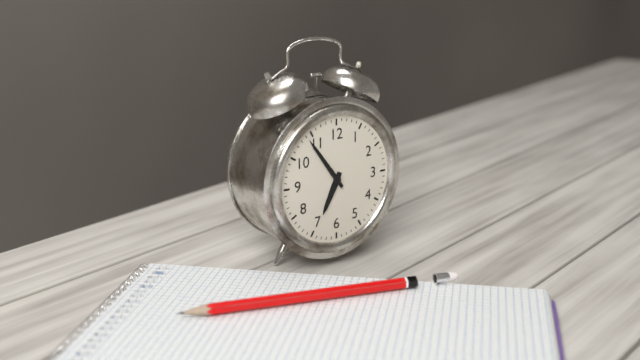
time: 6:54
